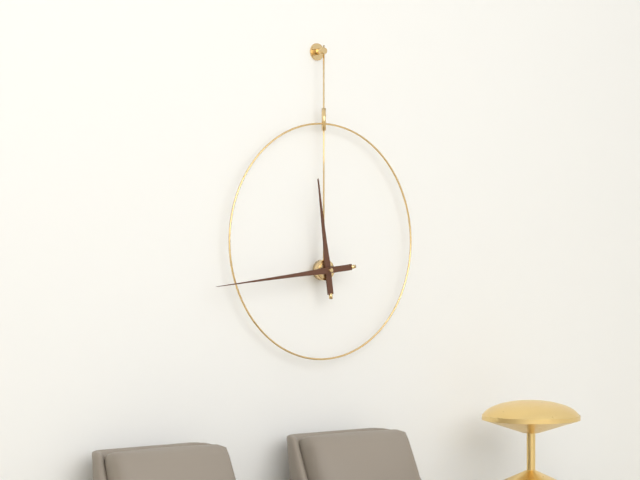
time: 11:44
